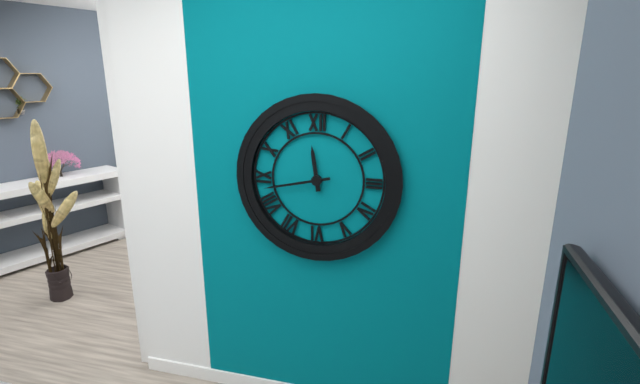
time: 11:43
